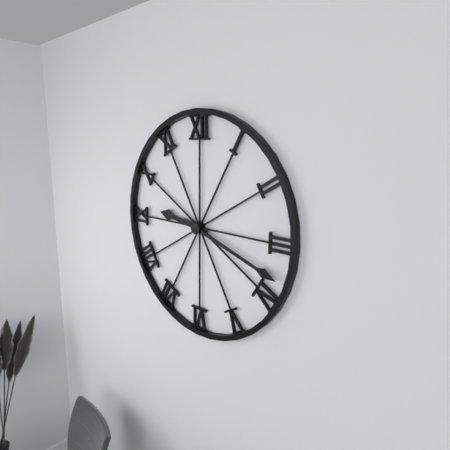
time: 9:18
